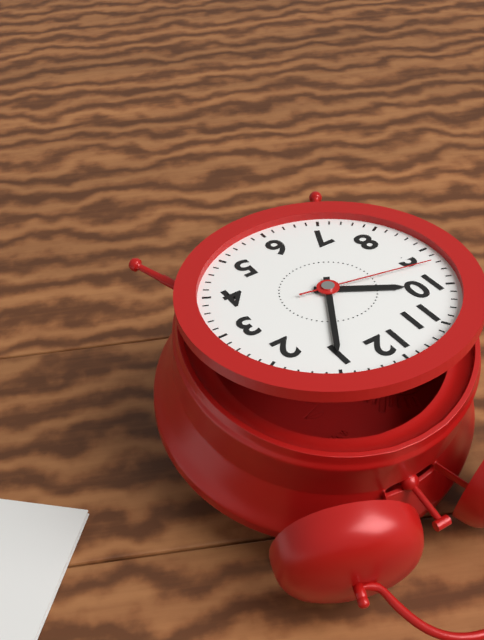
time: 10:05:47
